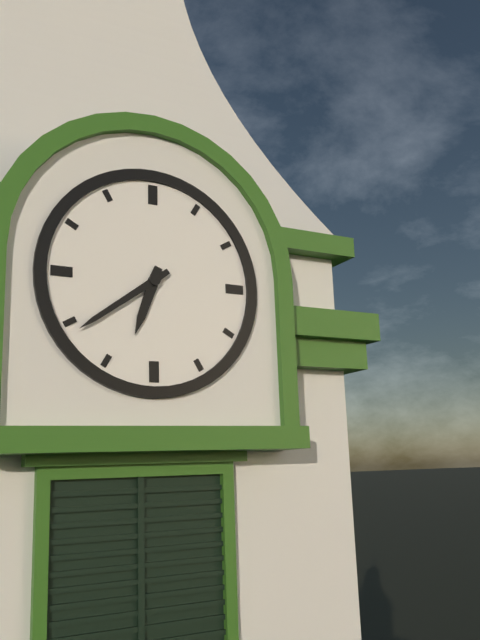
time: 6:39
